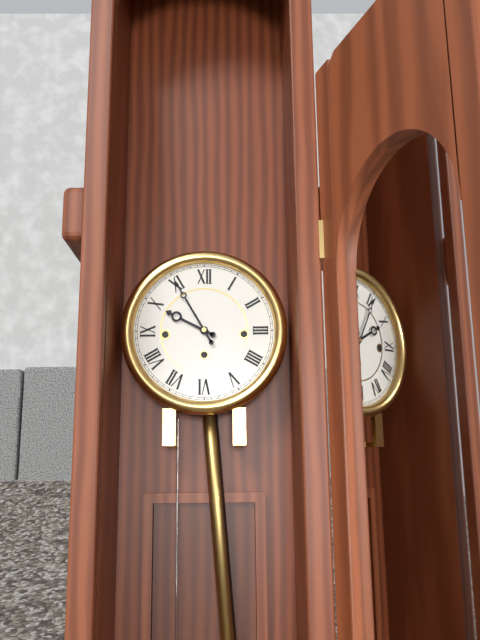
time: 9:55
